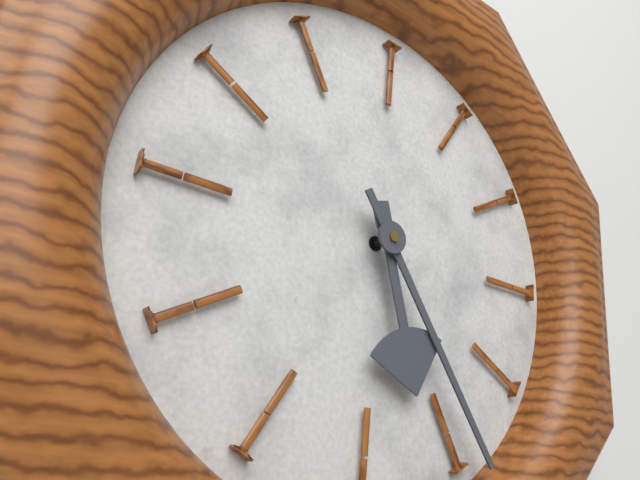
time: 5:24
